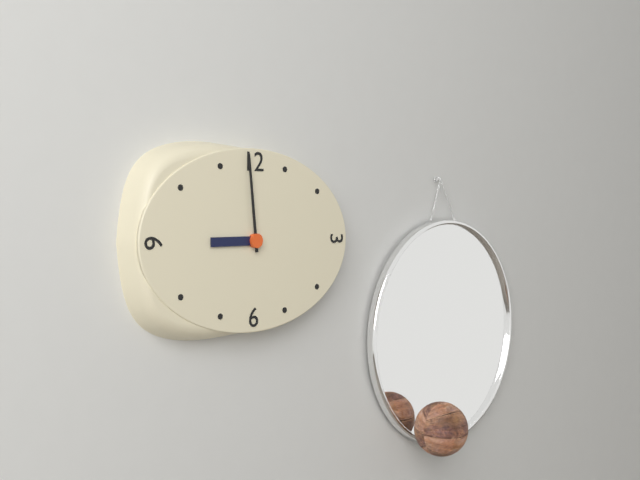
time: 8:59
